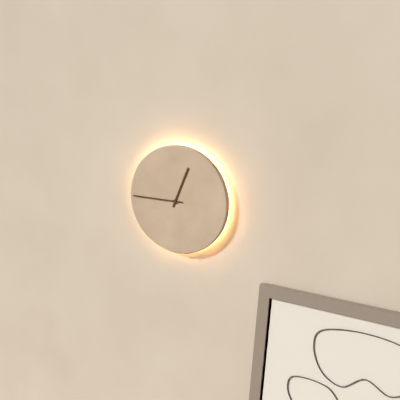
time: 12:45
